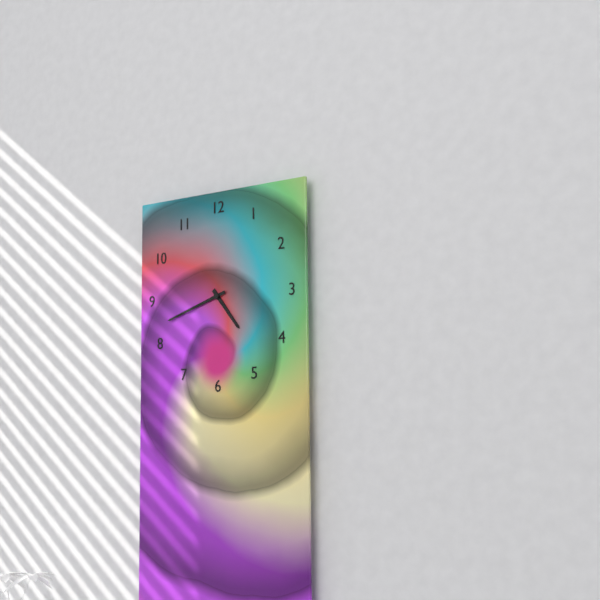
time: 4:42
